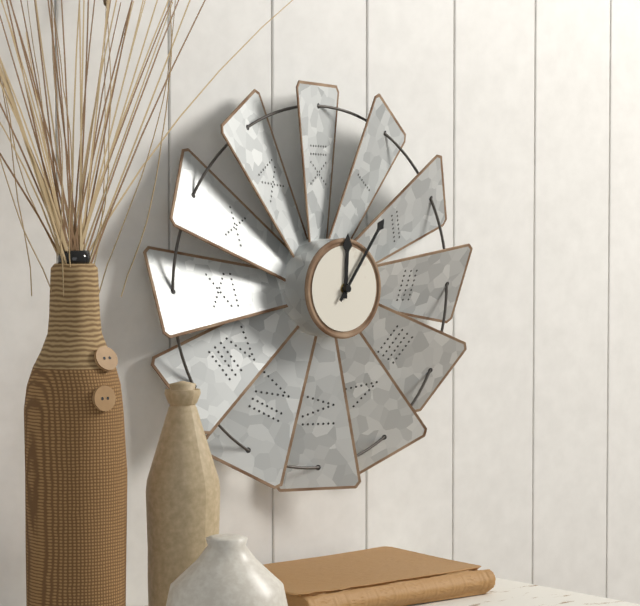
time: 12:06
